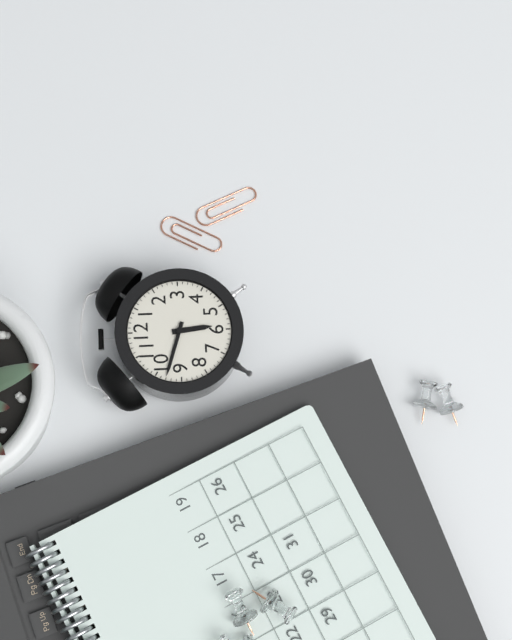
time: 5:48
